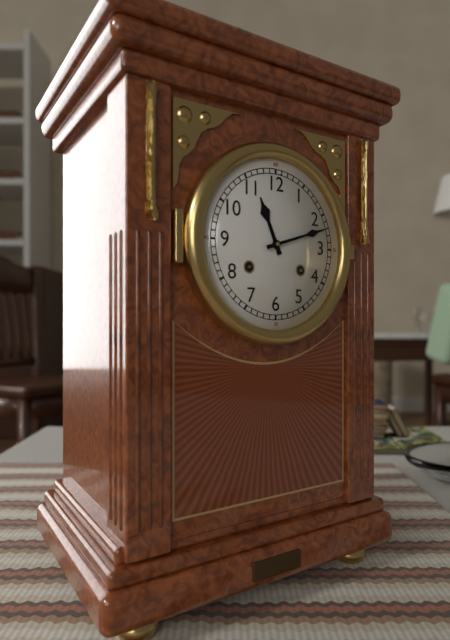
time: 11:12
